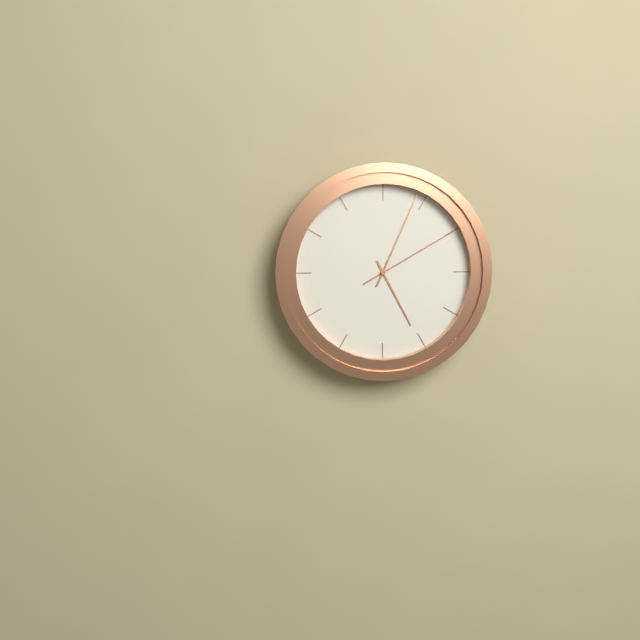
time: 5:04:10
